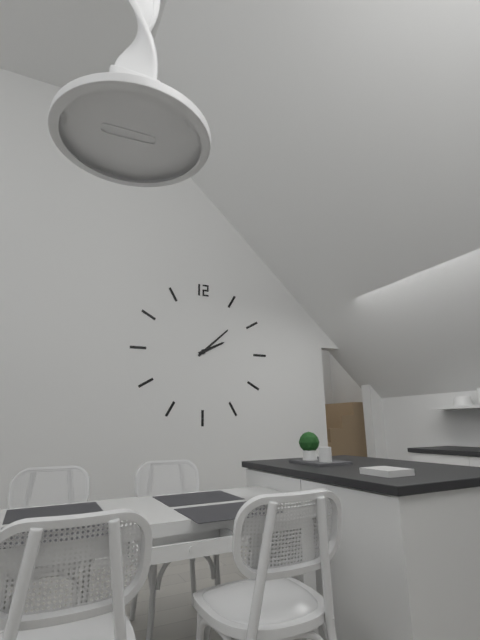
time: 2:08
